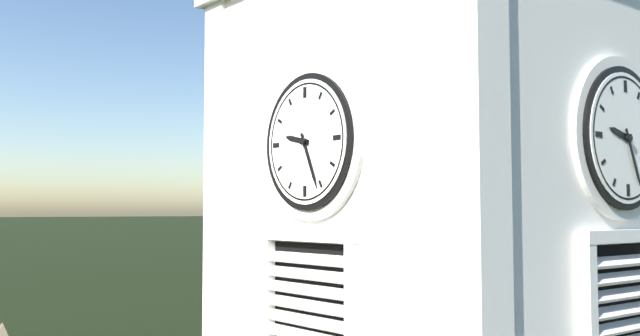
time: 9:26
